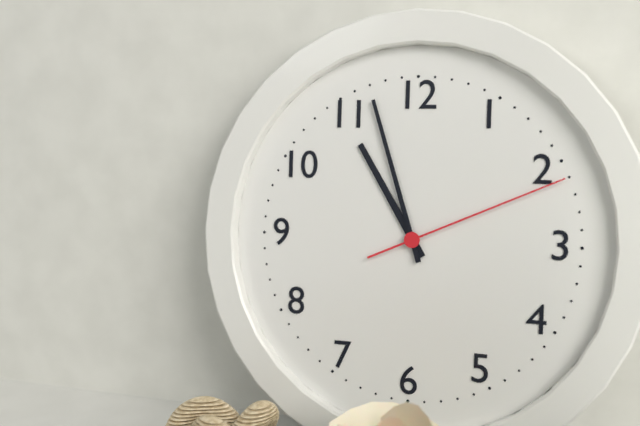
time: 10:57:11
